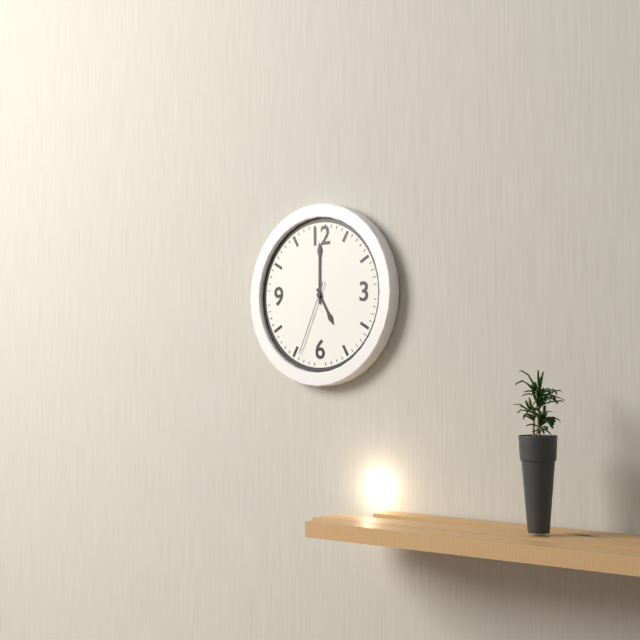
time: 5:00:34
